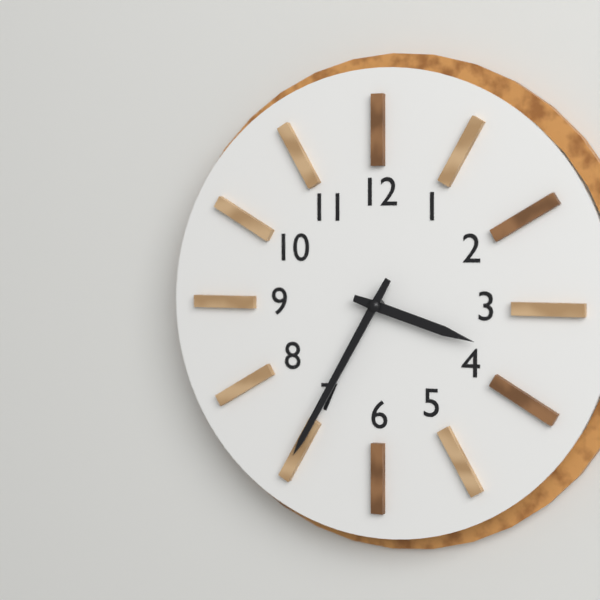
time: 3:35
